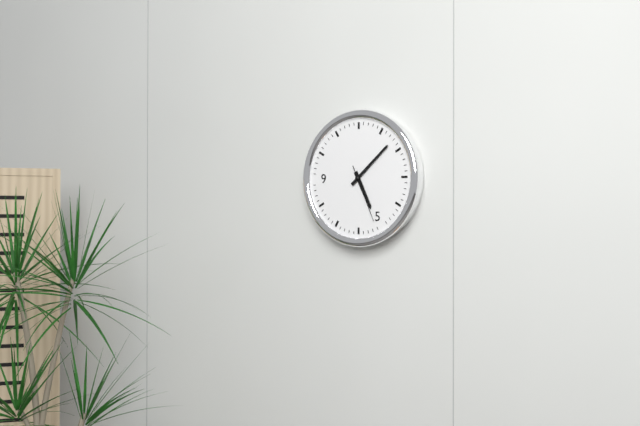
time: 5:08:26
